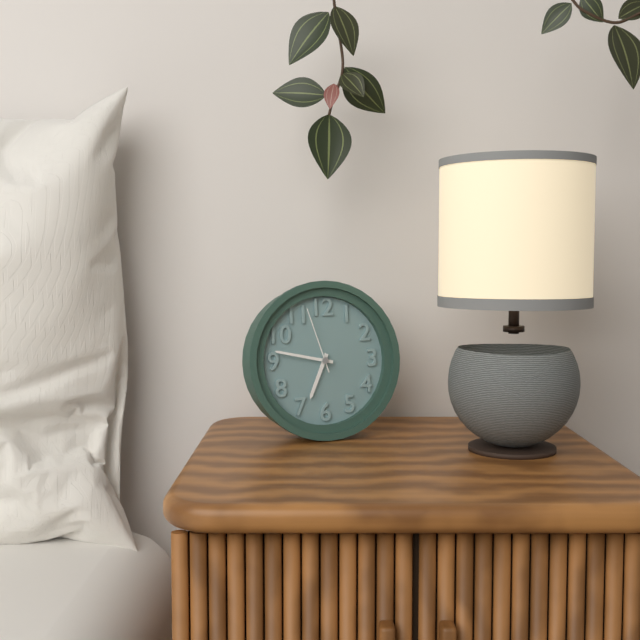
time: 6:47:57
